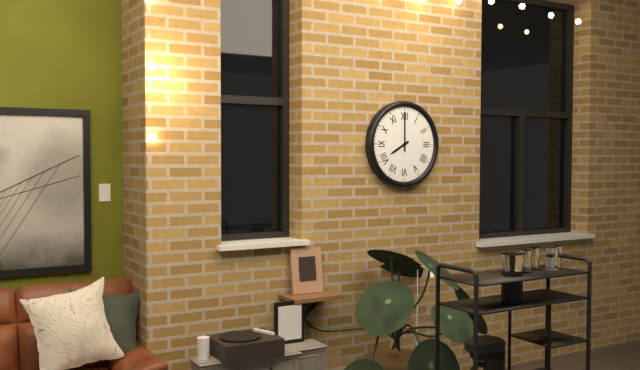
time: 8:00
